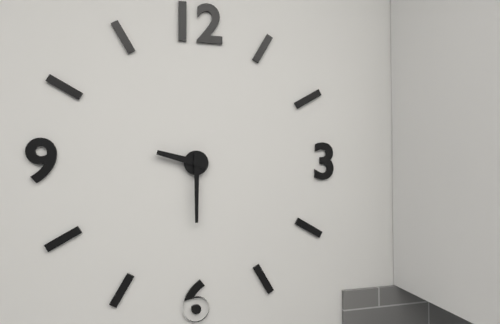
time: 9:30
